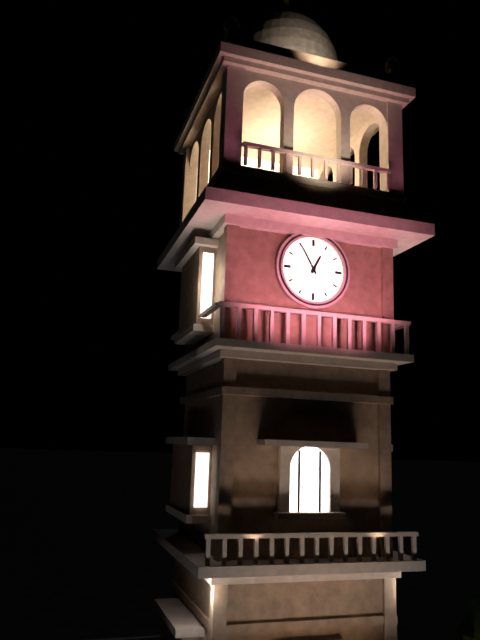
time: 12:55
